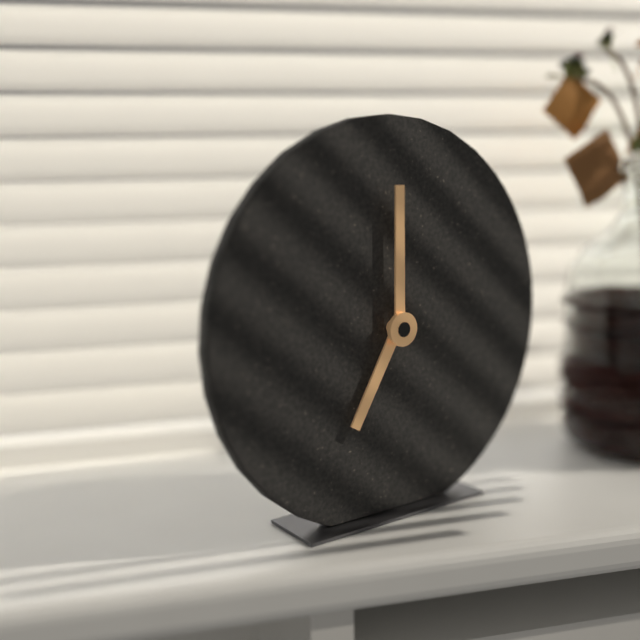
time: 7:00
